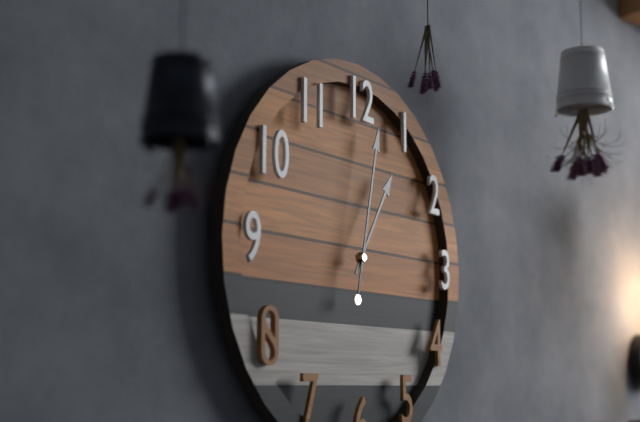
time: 1:02
